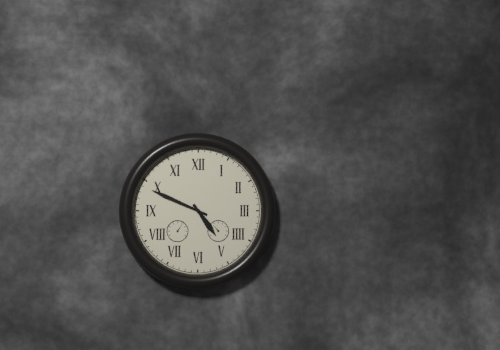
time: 4:49
